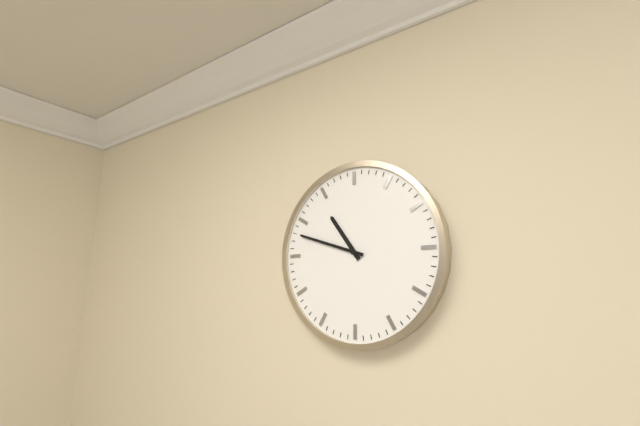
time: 10:48
